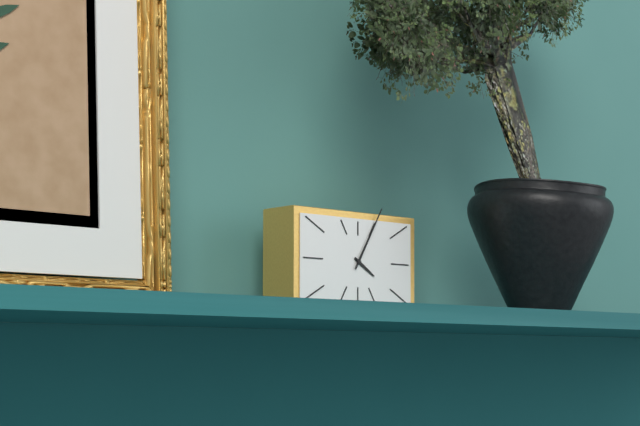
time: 4:05
